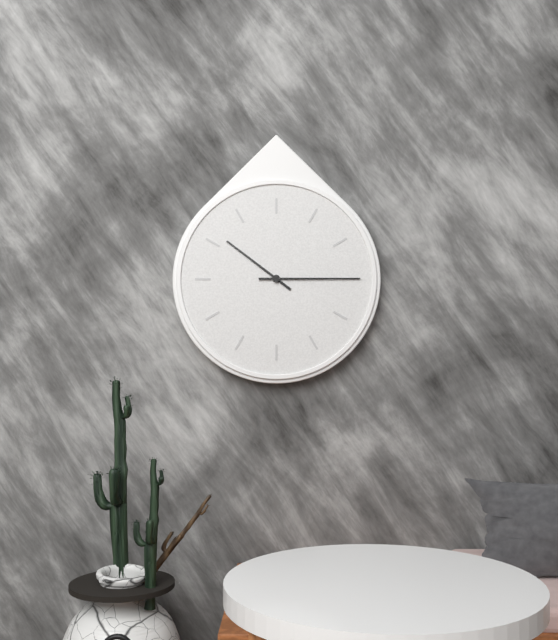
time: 10:15
